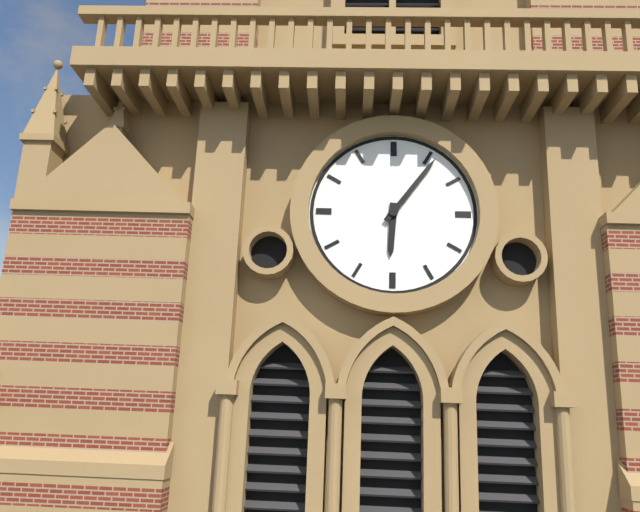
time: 6:06
